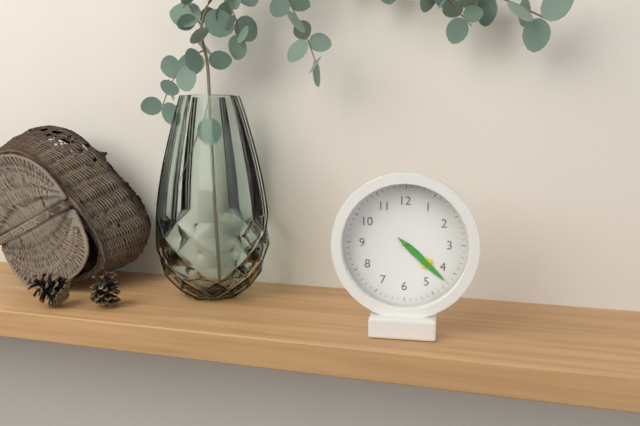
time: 4:22
